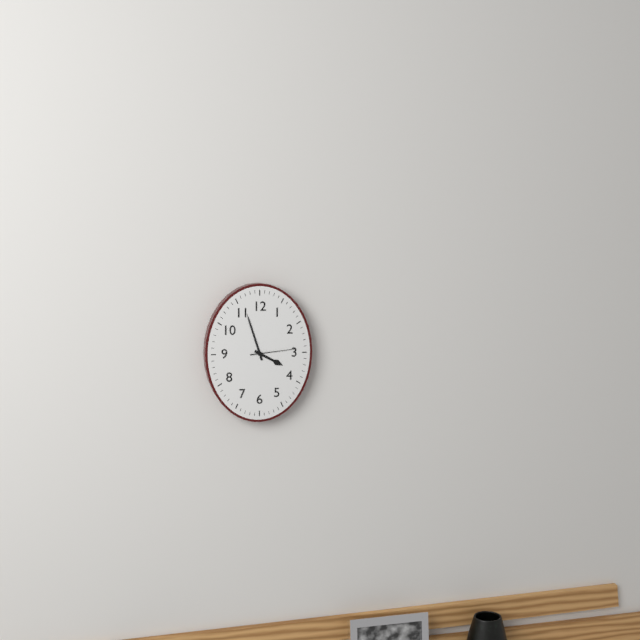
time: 3:57
